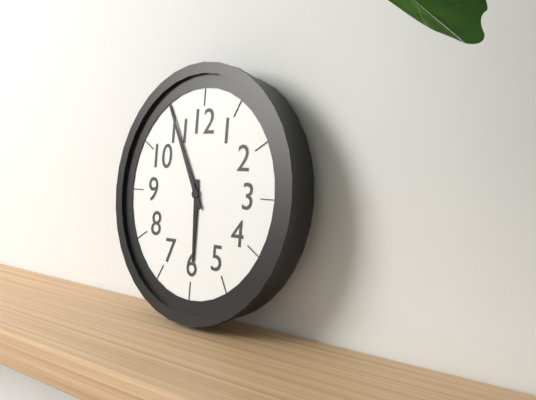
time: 5:55
